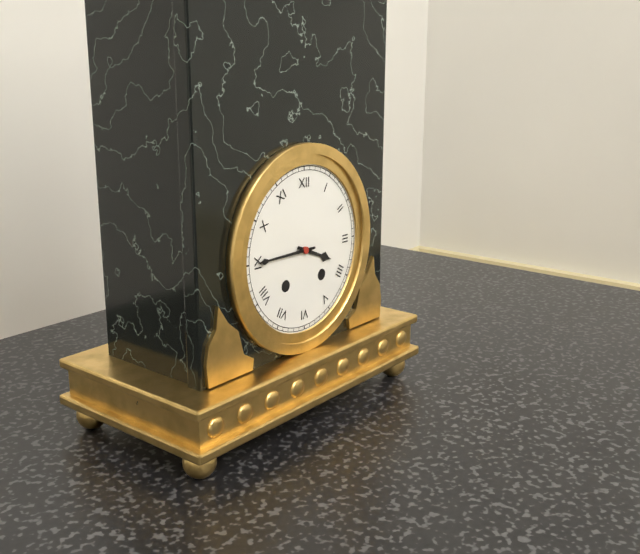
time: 3:45
